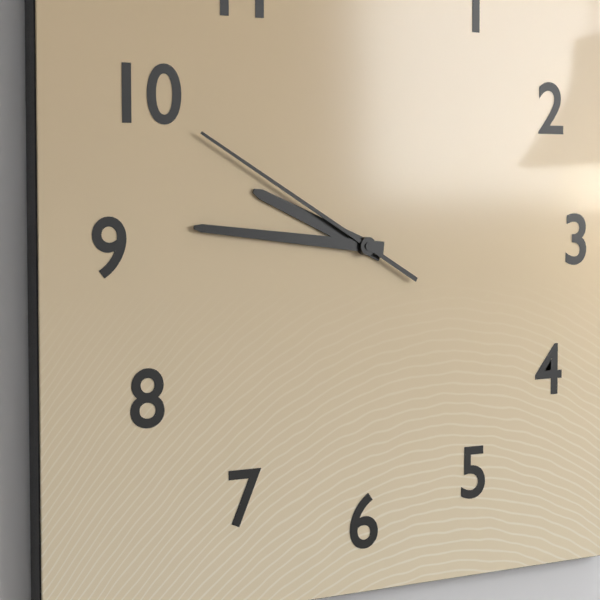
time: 9:46:50
